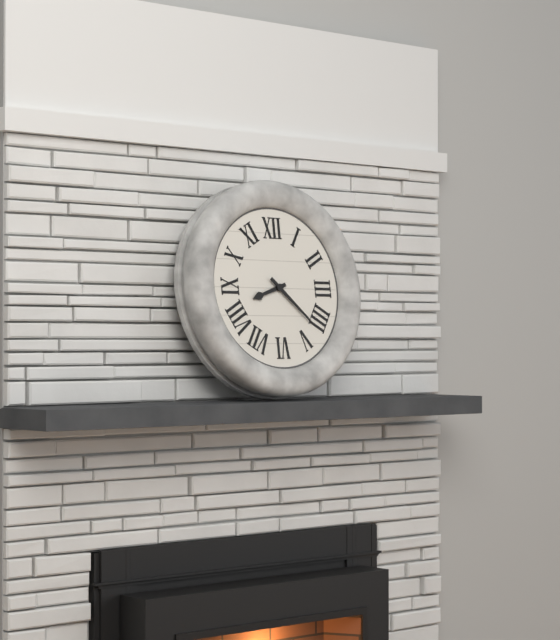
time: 8:22
